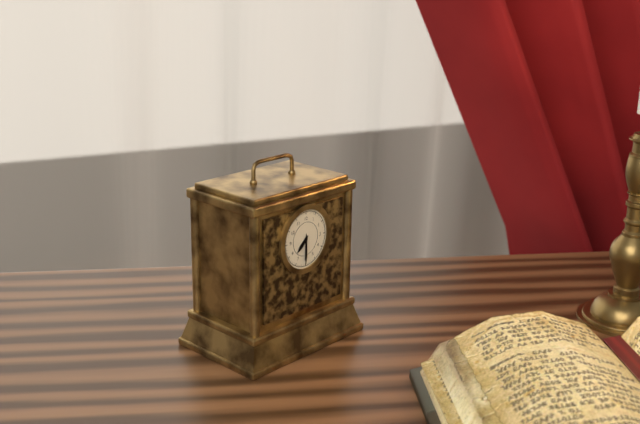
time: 7:30
